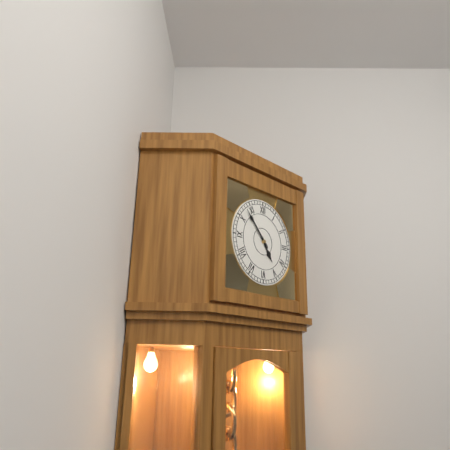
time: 4:53
